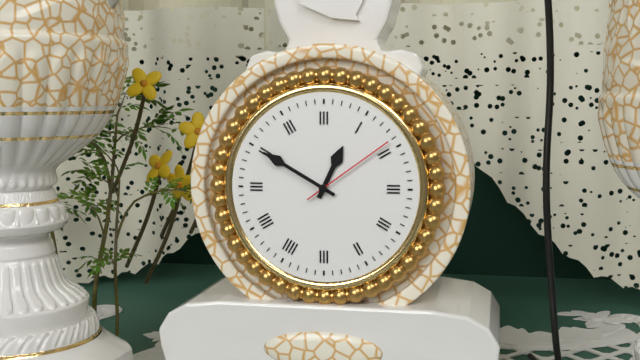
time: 12:50:09
